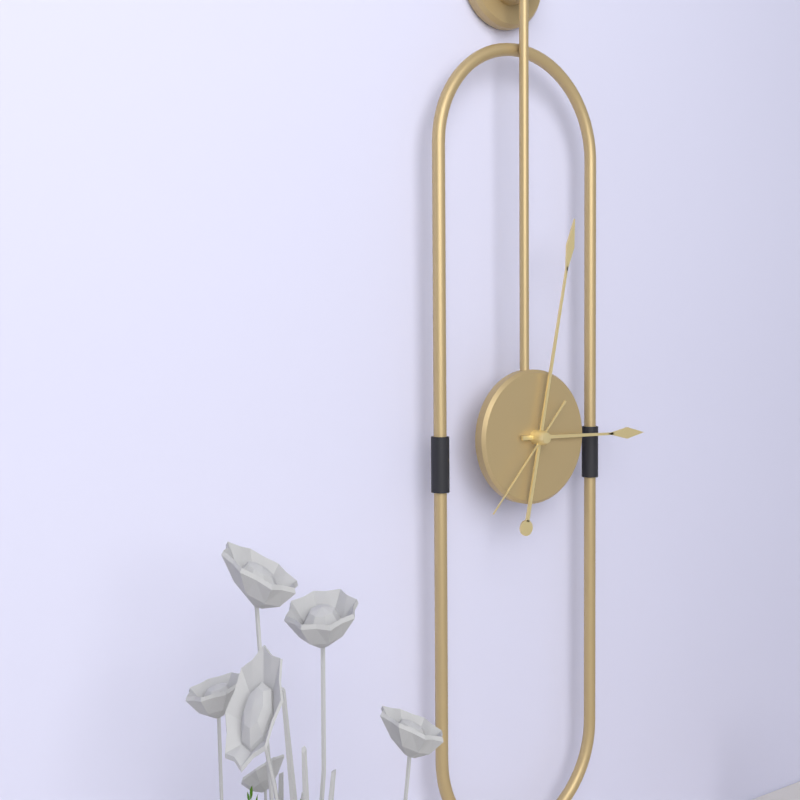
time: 3:02:37
